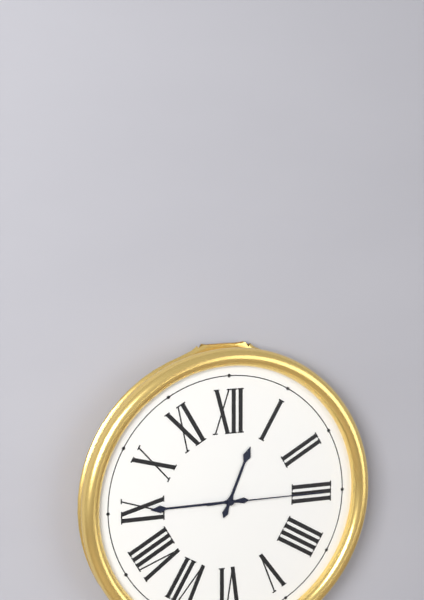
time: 12:45:15
